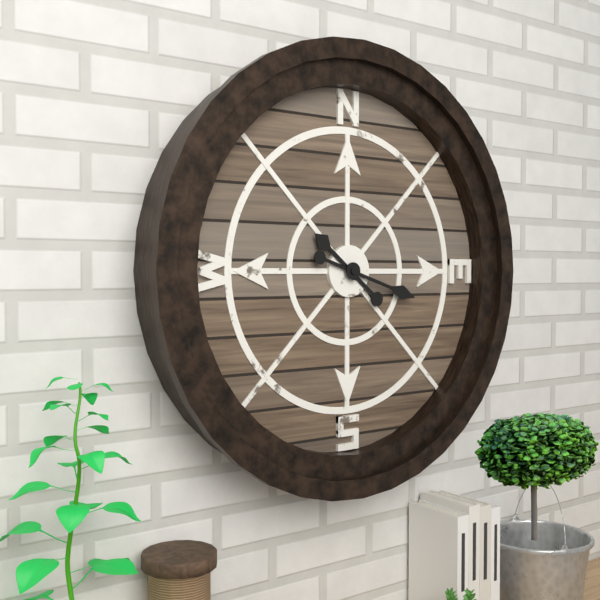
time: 10:18
